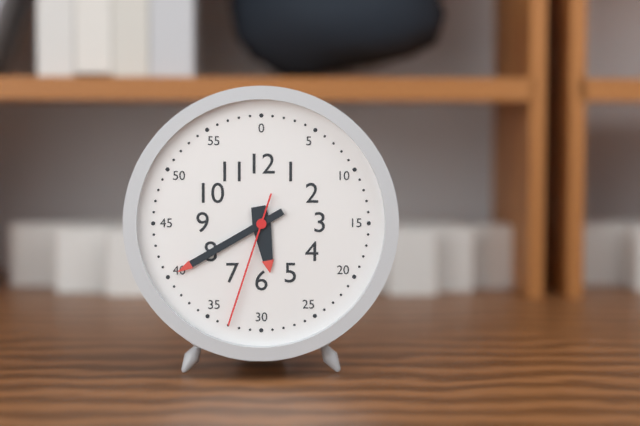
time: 5:40:33
